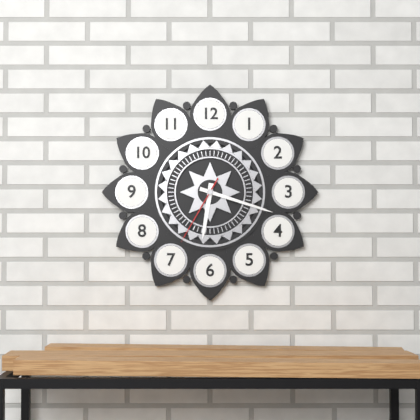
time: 6:18:35
